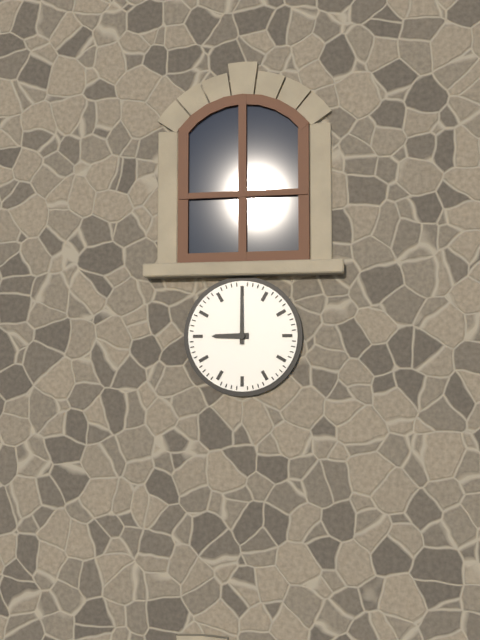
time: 9:00
